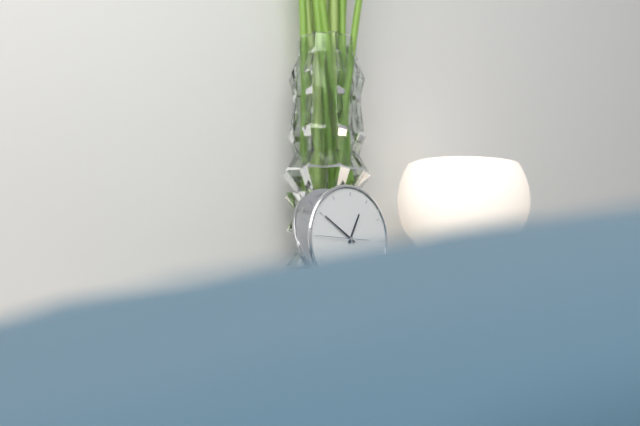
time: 12:50
